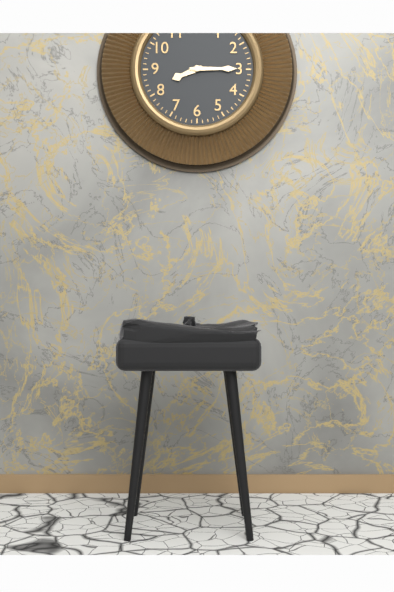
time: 8:15
